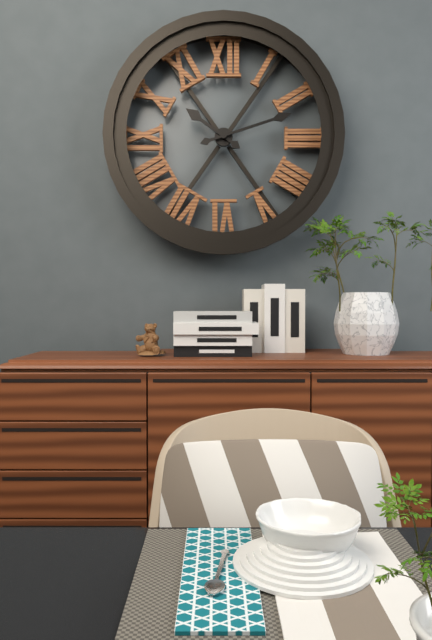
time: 10:12
